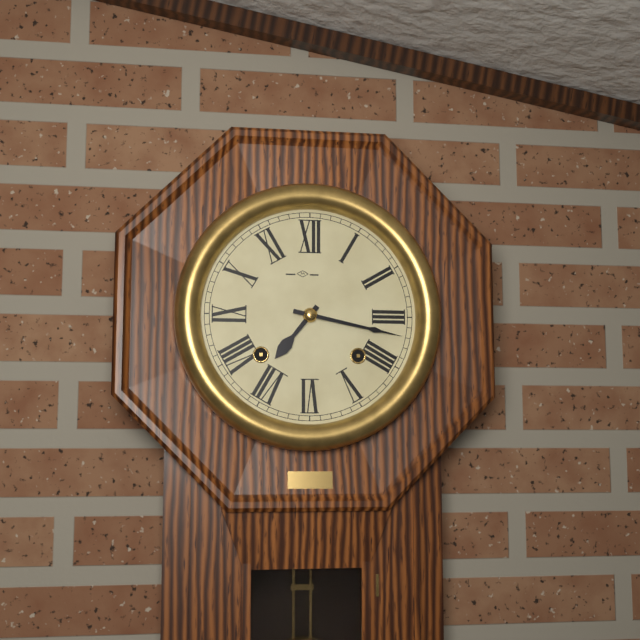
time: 7:17
